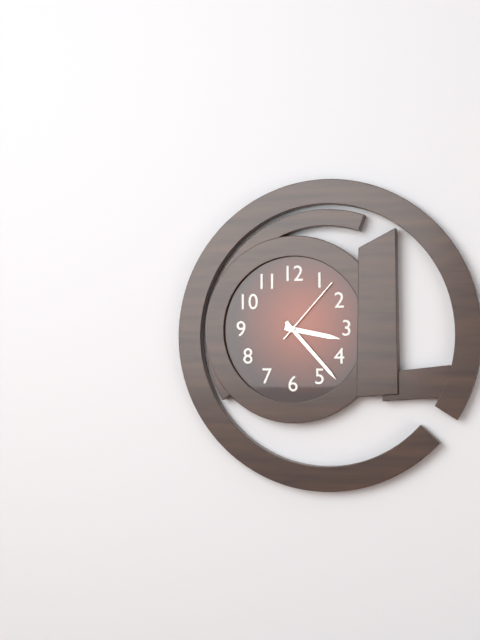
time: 3:23:07
